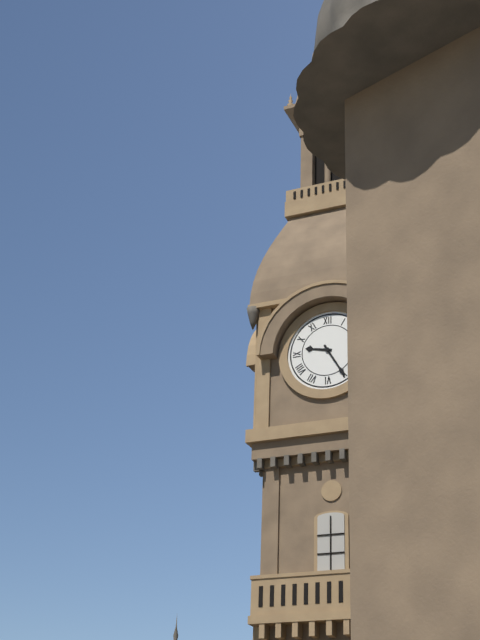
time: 9:25
